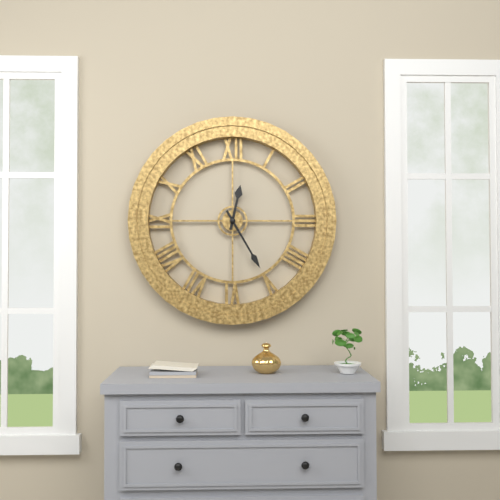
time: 12:25
